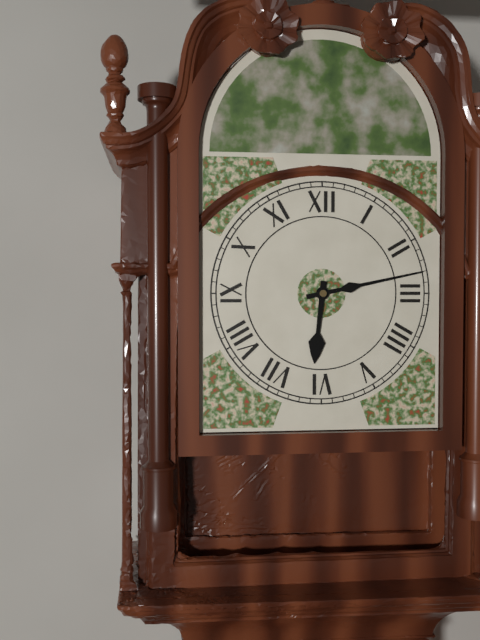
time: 6:13
